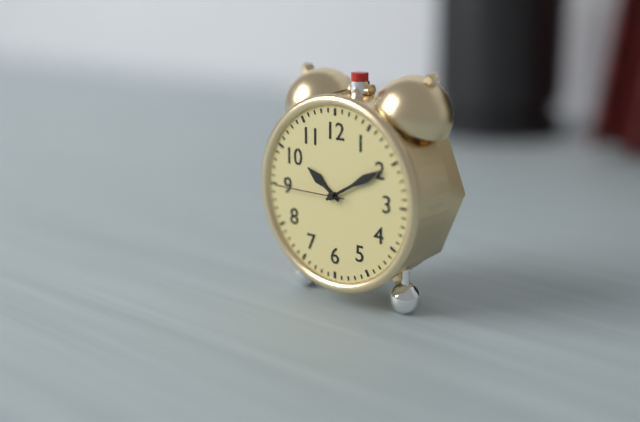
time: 10:10:45
